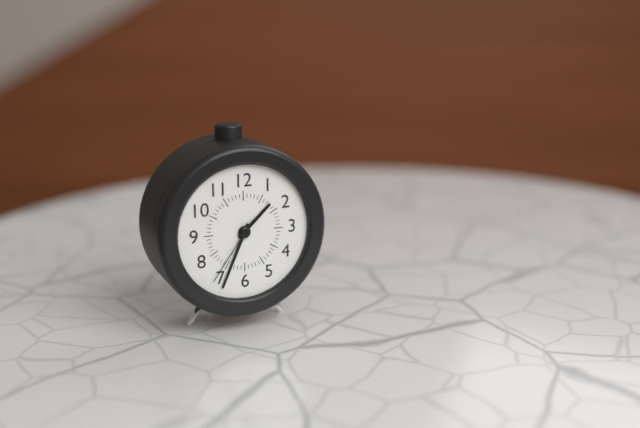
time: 1:34:36
